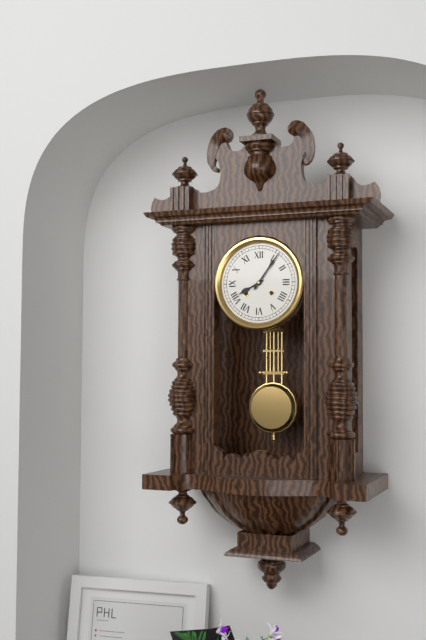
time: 8:06
